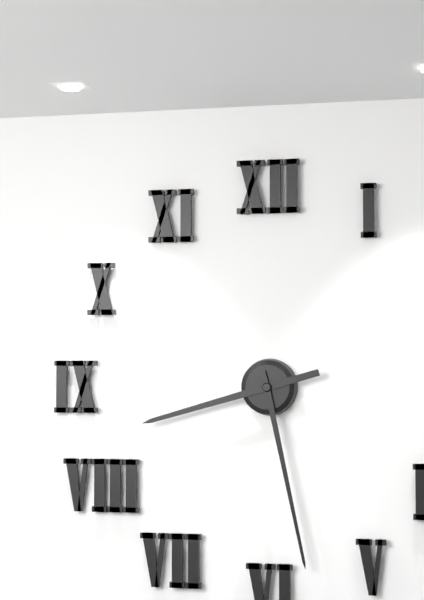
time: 8:28
